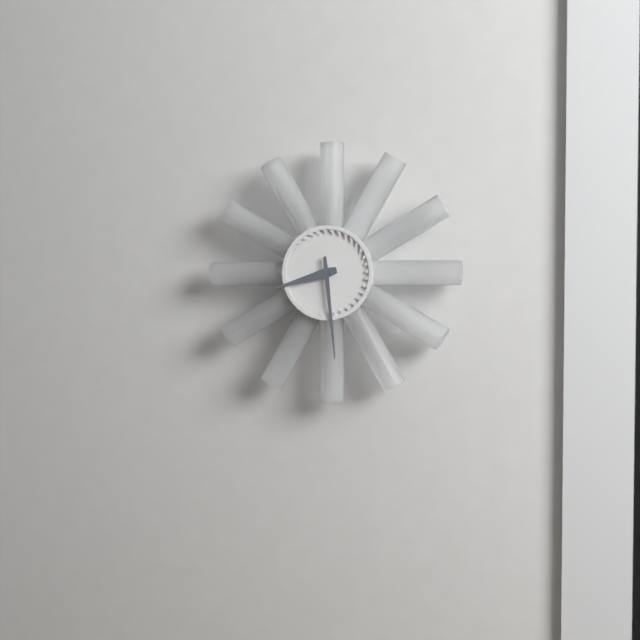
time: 8:29
